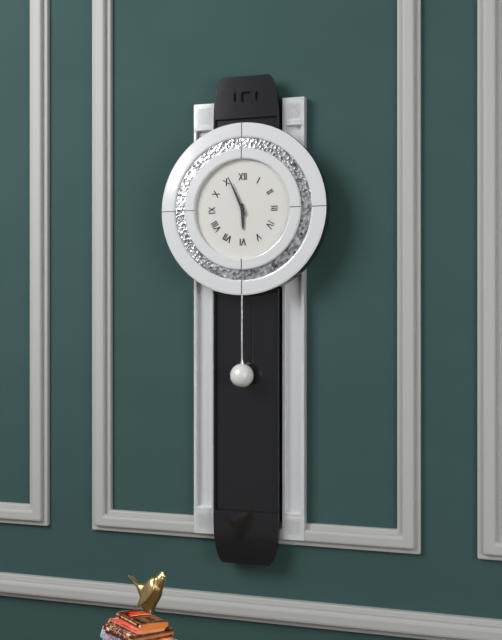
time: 5:56
